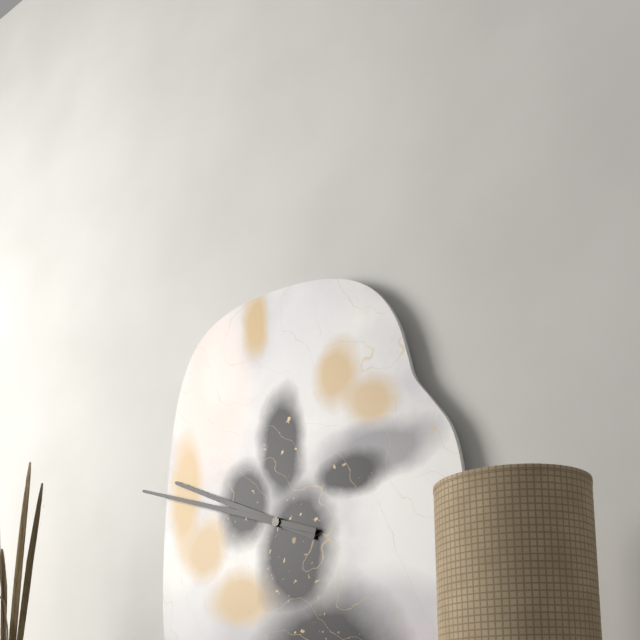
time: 9:48
